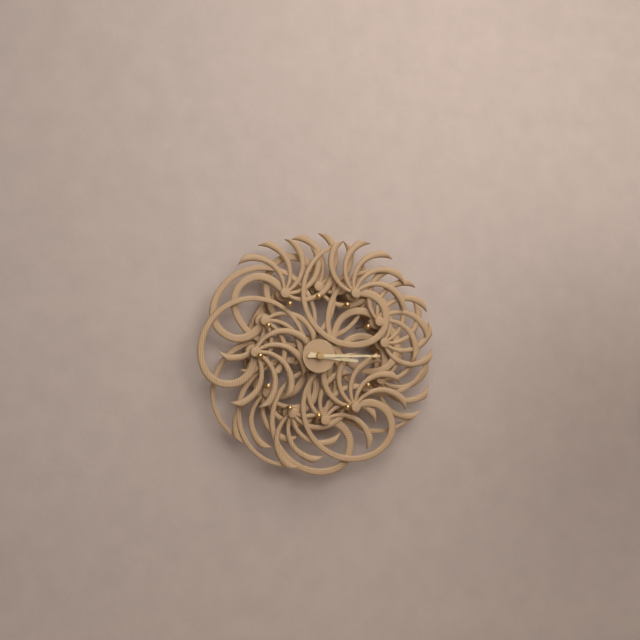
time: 3:15
